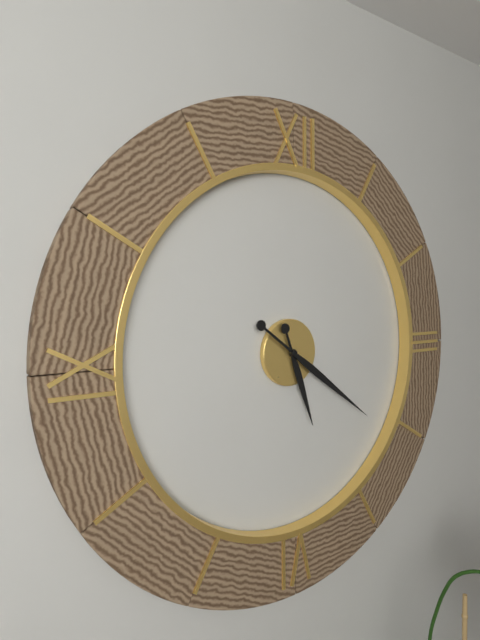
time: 5:21
